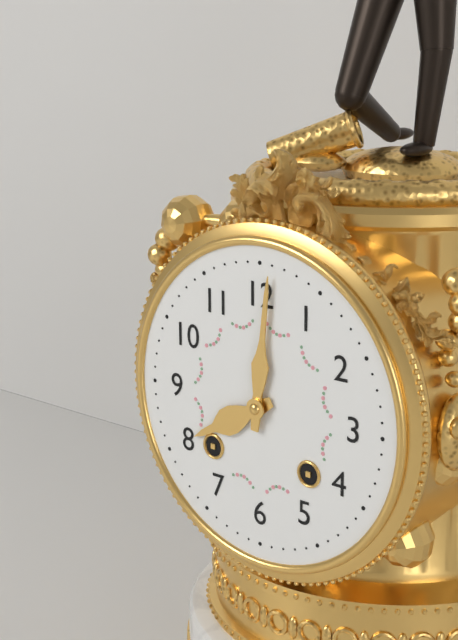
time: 8:01
